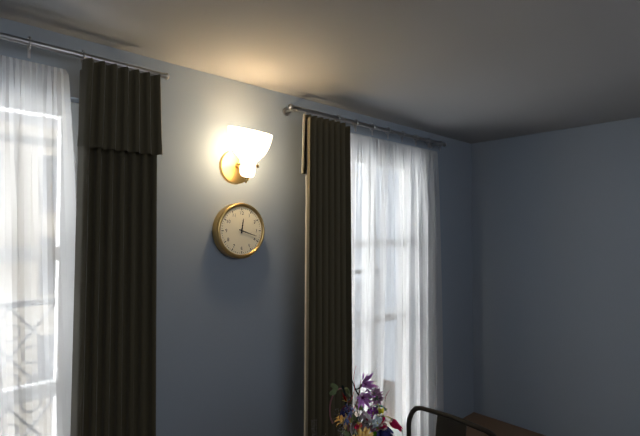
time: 12:18
